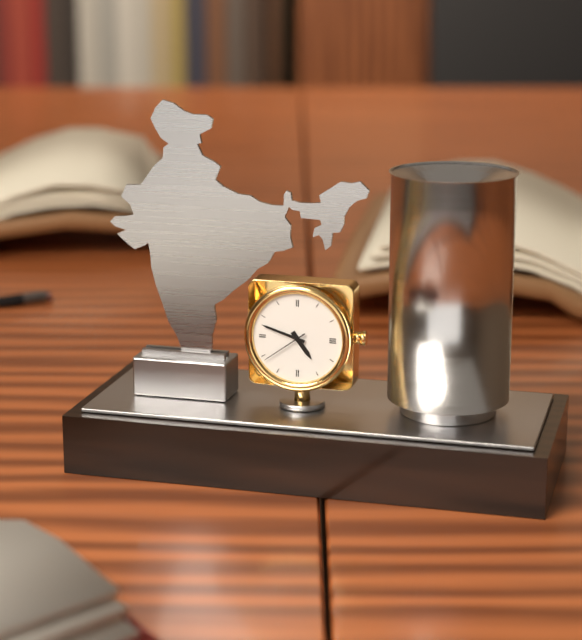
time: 4:48
